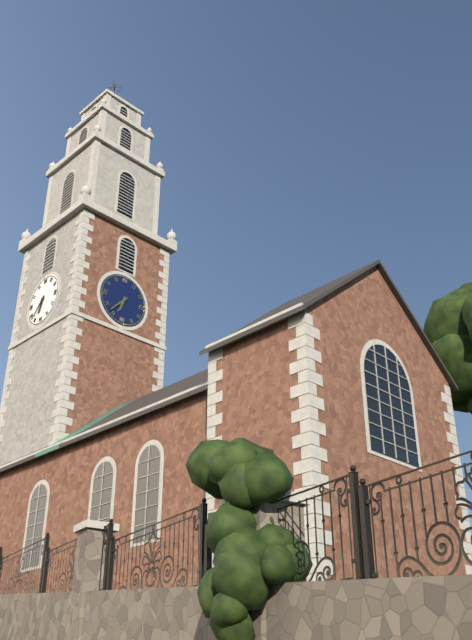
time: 6:37
